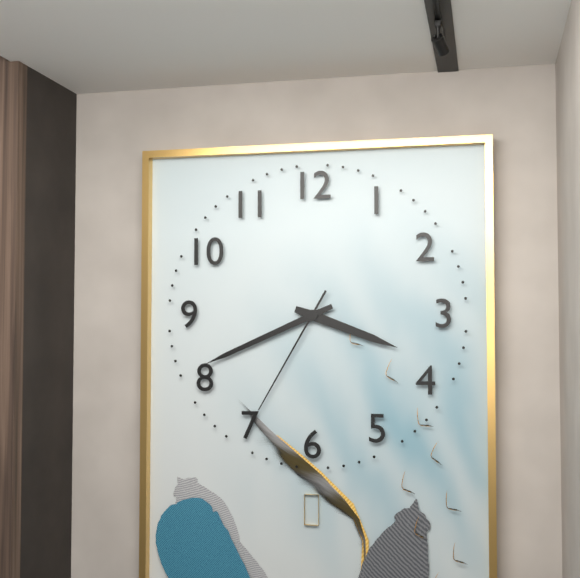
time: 3:41:35
